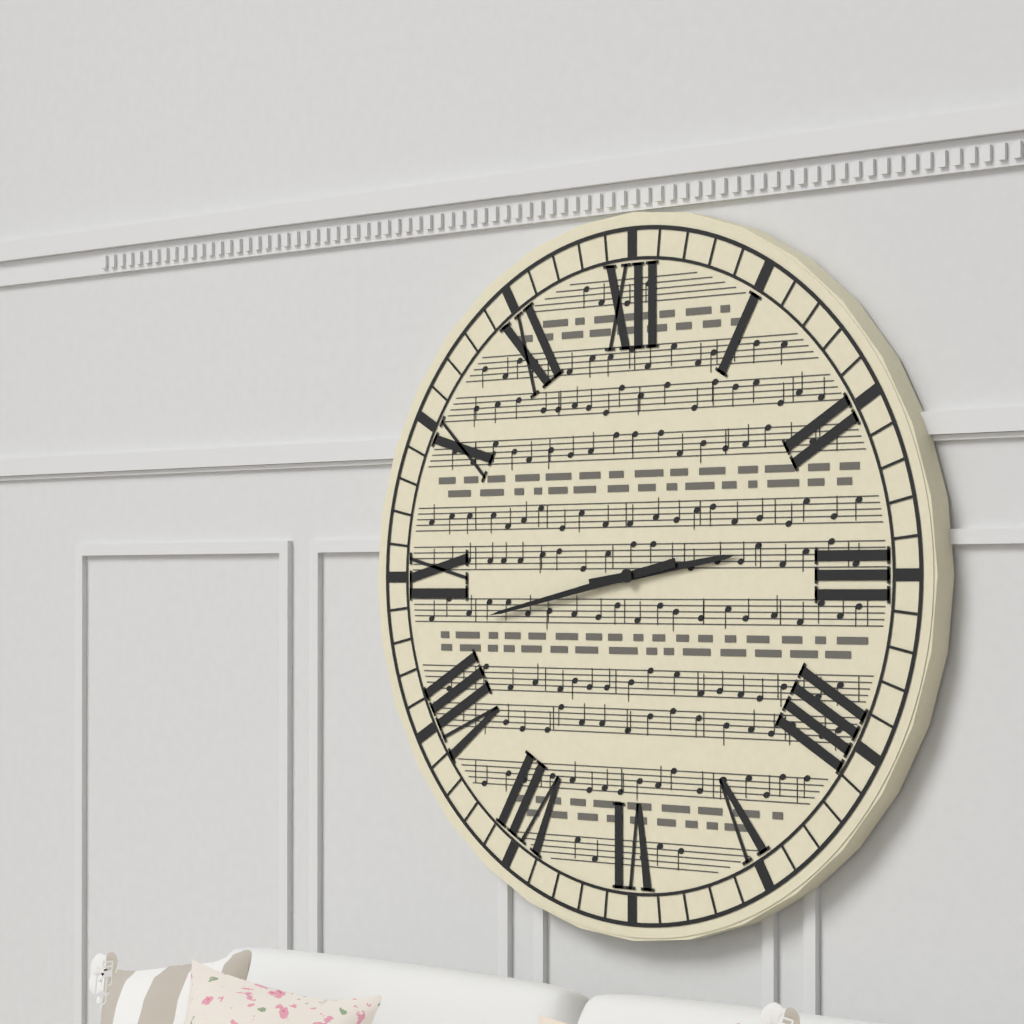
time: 2:43
